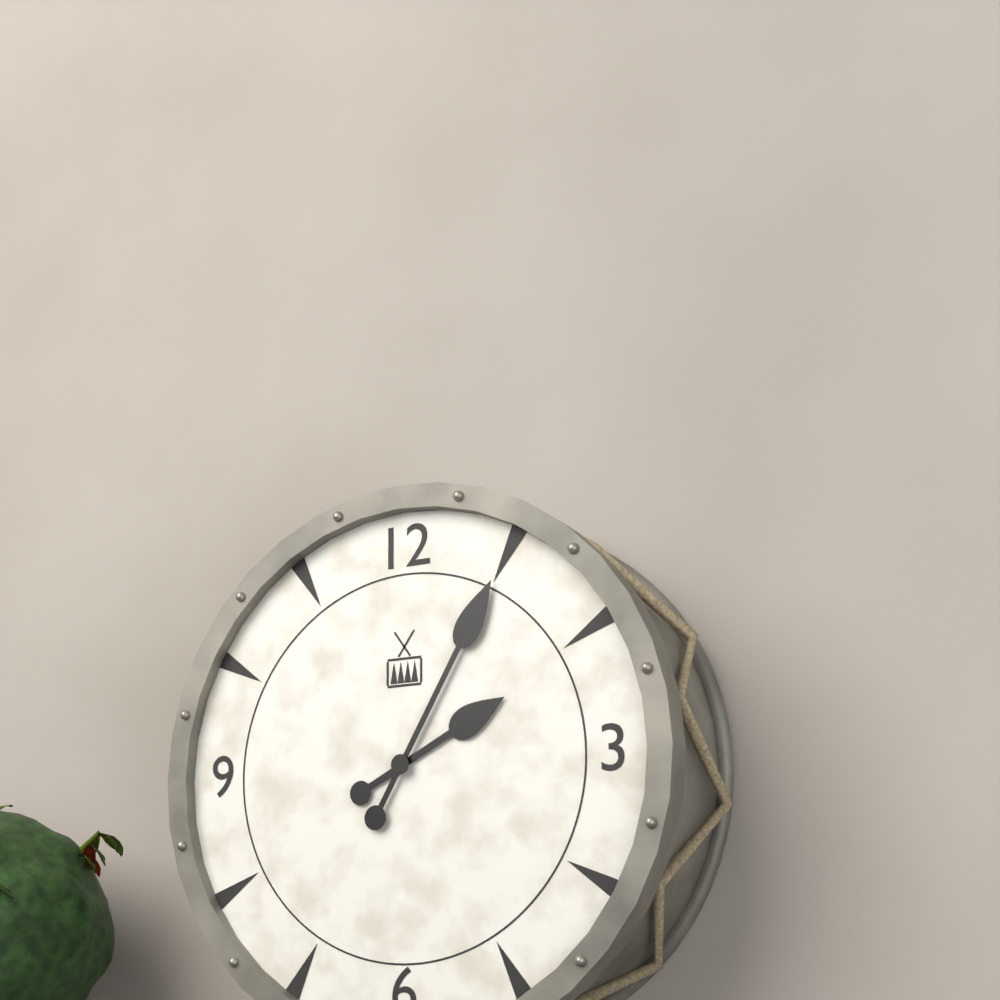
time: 2:05
